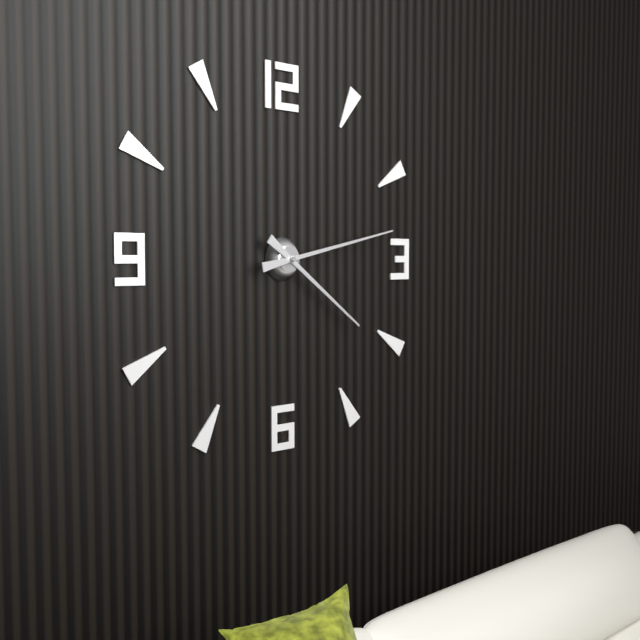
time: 4:13
